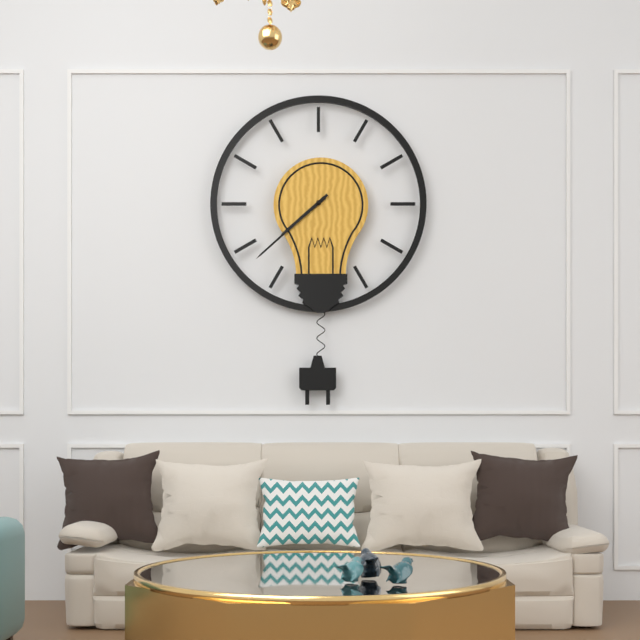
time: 7:38
